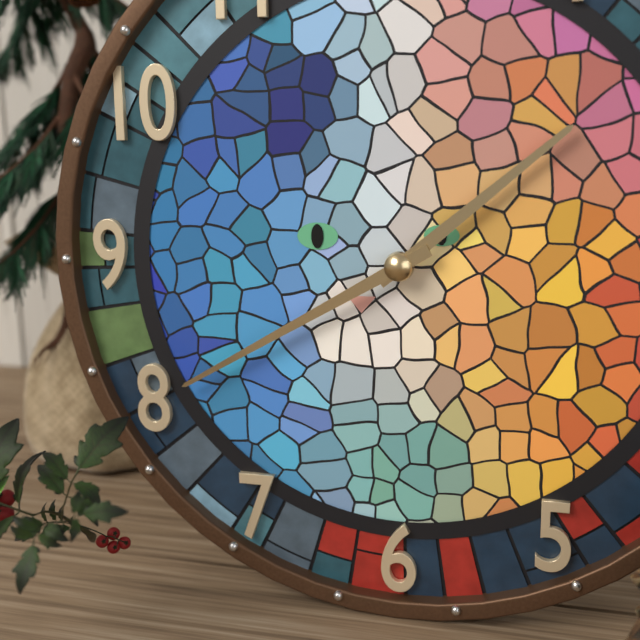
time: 1:40
